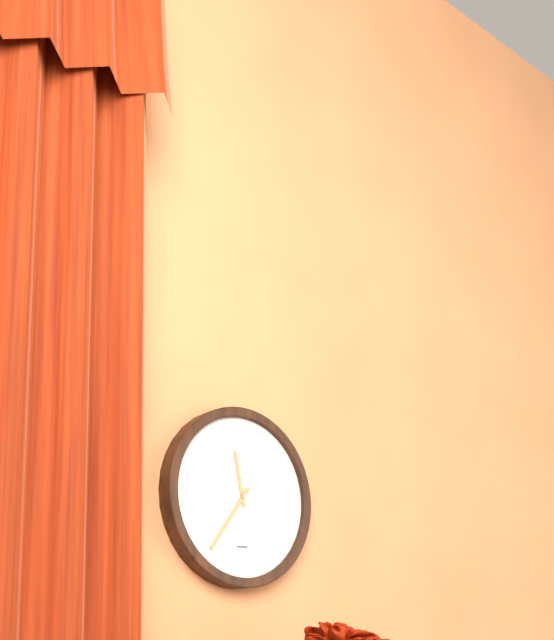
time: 11:36
